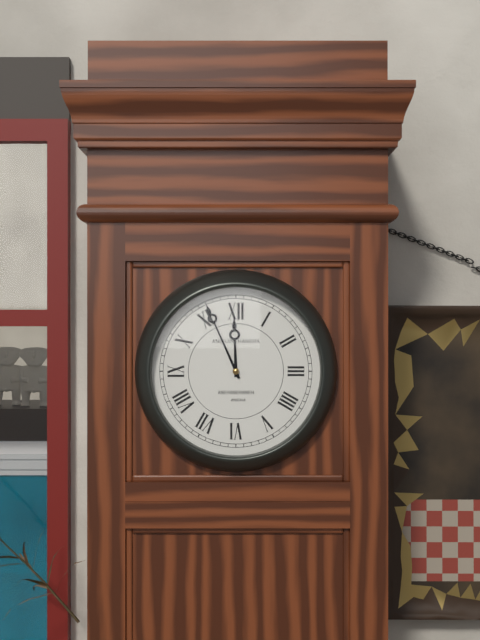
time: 11:56
